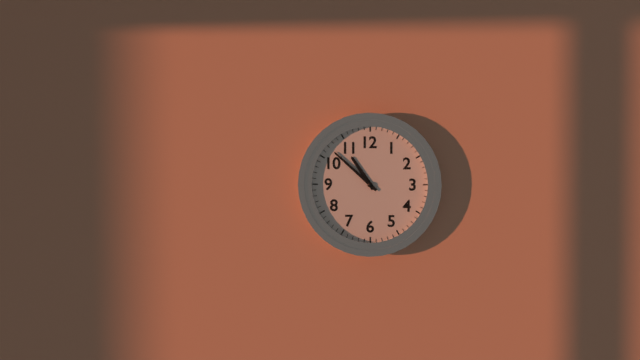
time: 10:52
